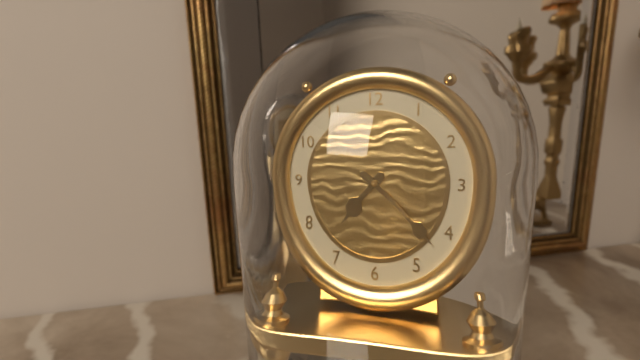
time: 7:22
